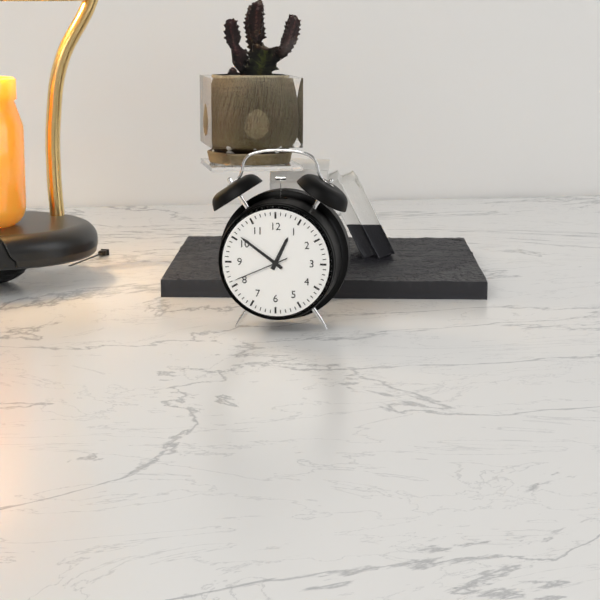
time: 12:51:41
